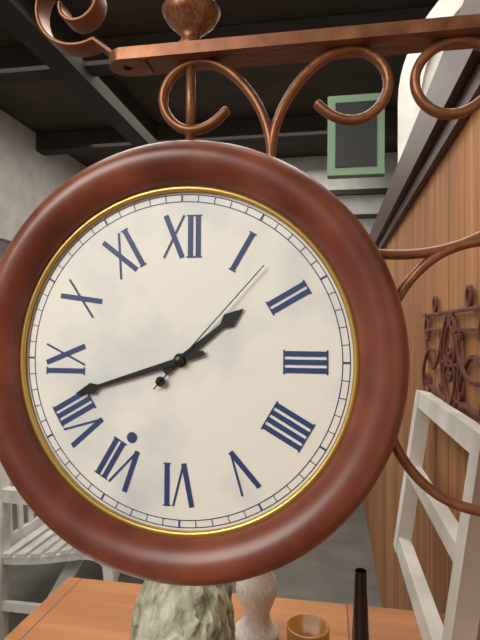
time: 1:42:07
